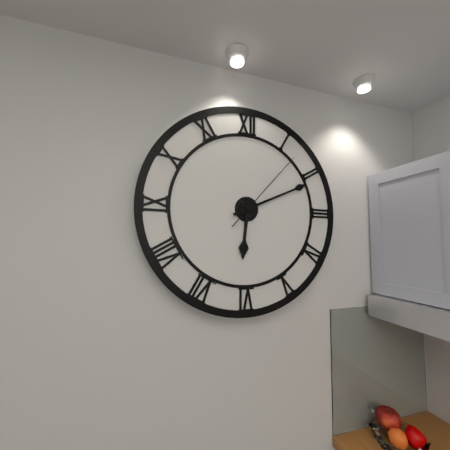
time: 6:11:07
